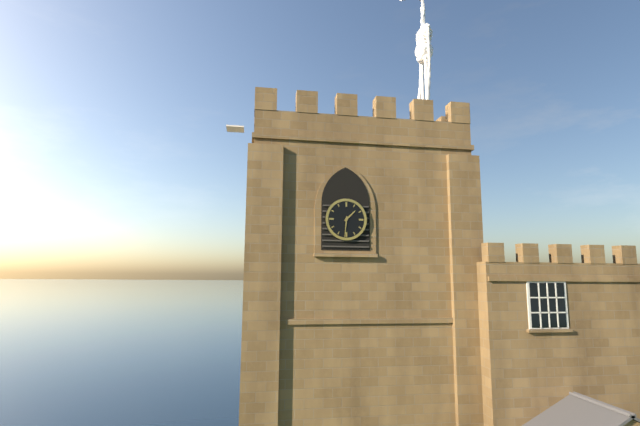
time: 1:31
